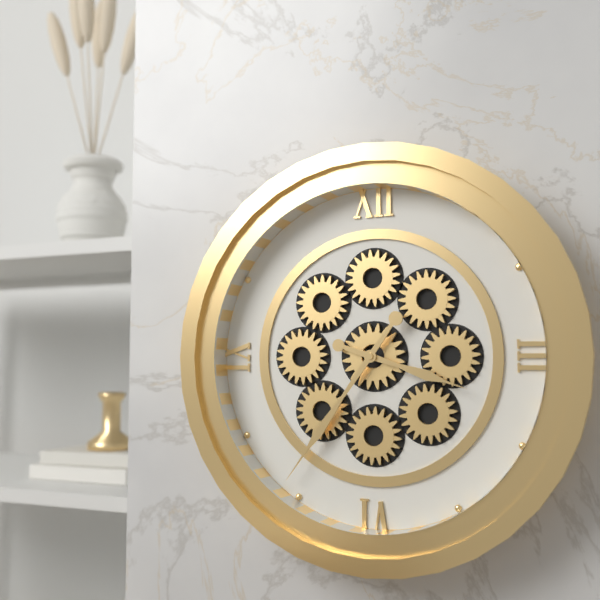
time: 3:36
